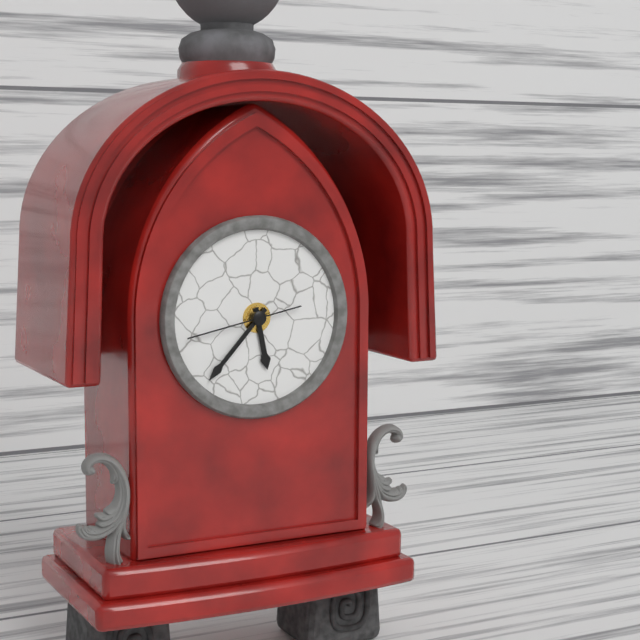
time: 5:37:43
